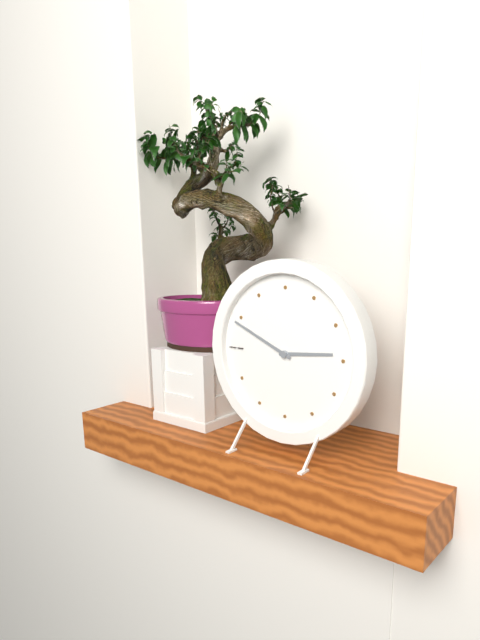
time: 2:49
